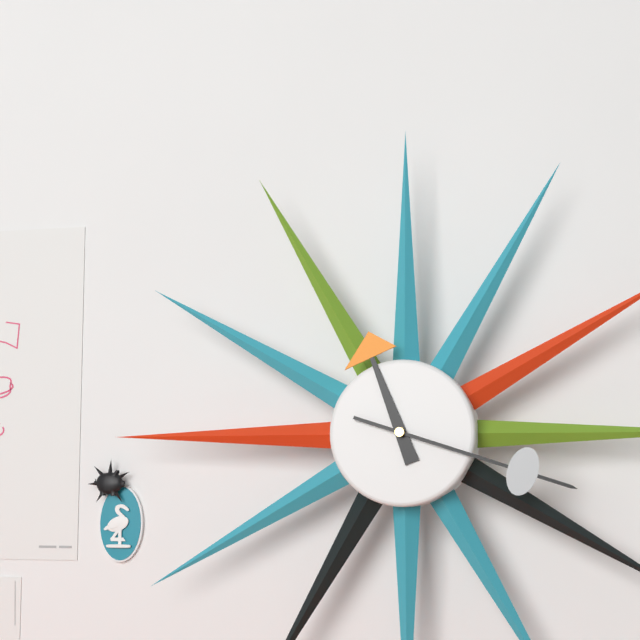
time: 11:18
